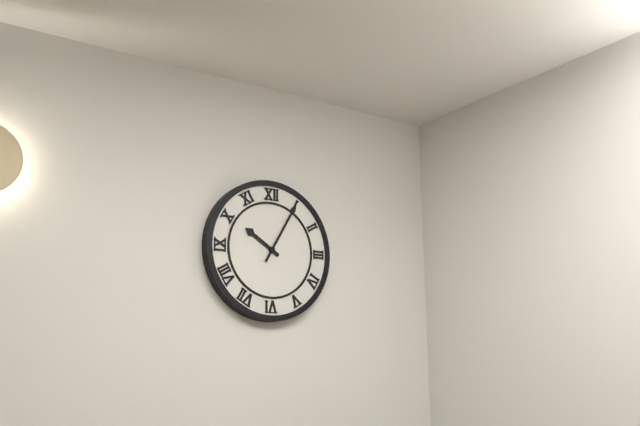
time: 10:05
